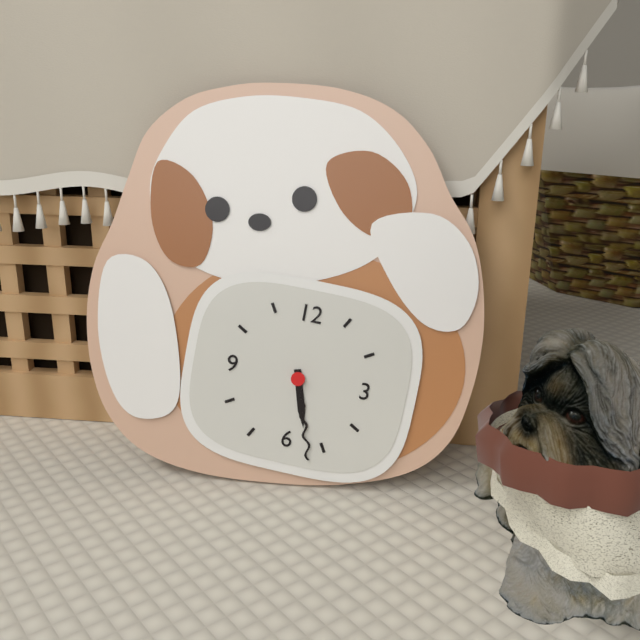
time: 5:27
